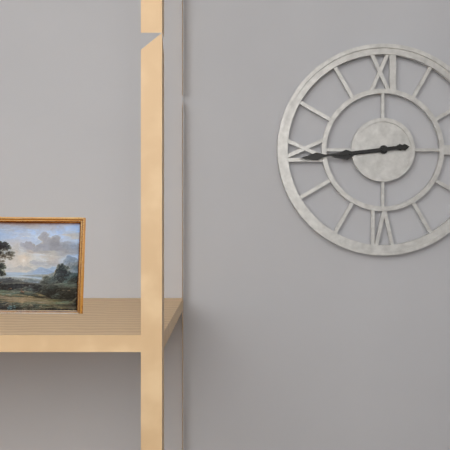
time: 8:44
